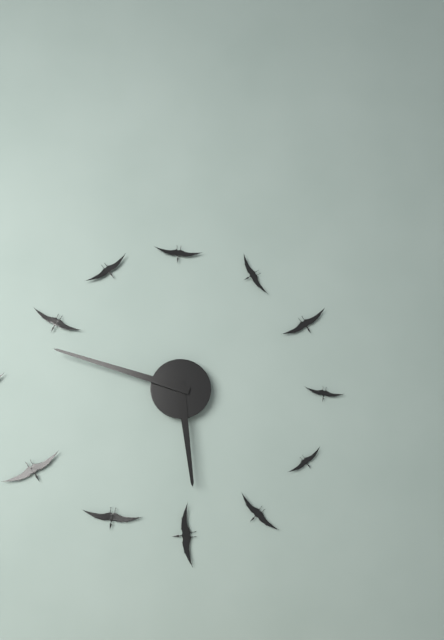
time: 5:48
